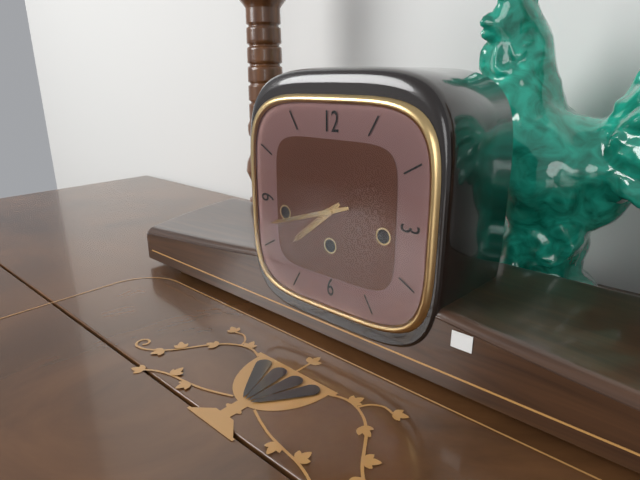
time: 7:42
